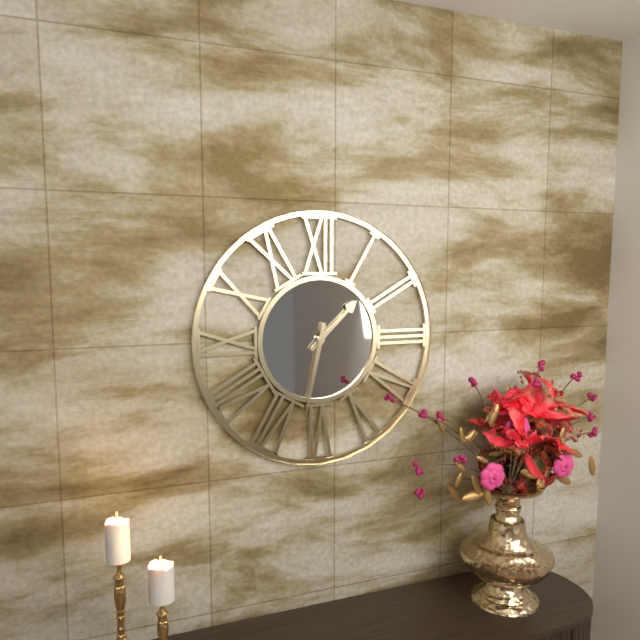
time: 1:32
